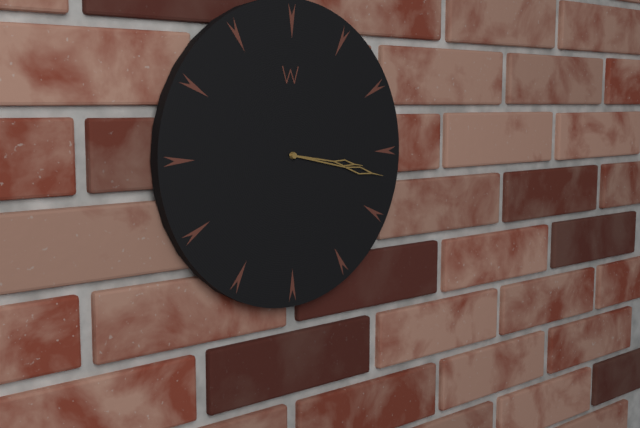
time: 3:17
